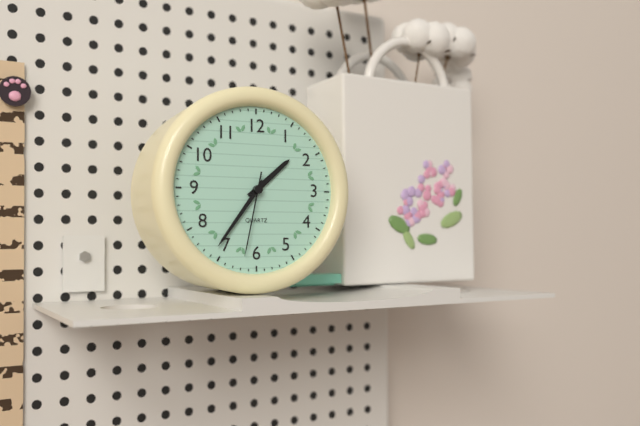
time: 1:36:32
